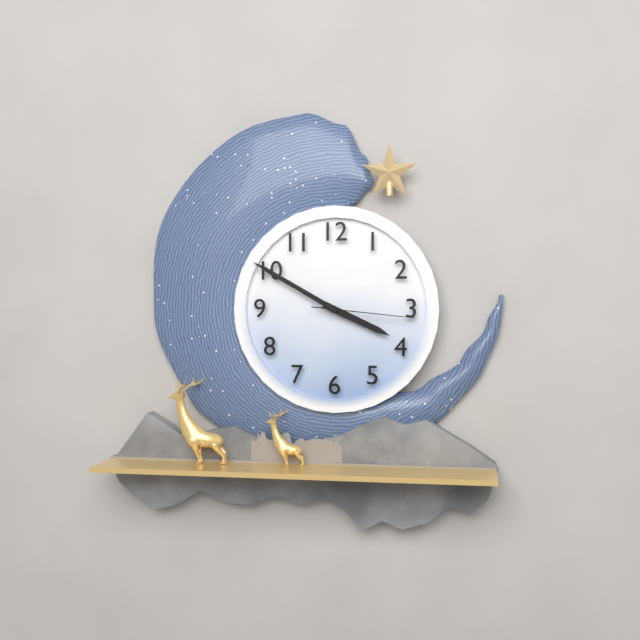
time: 3:50:16
